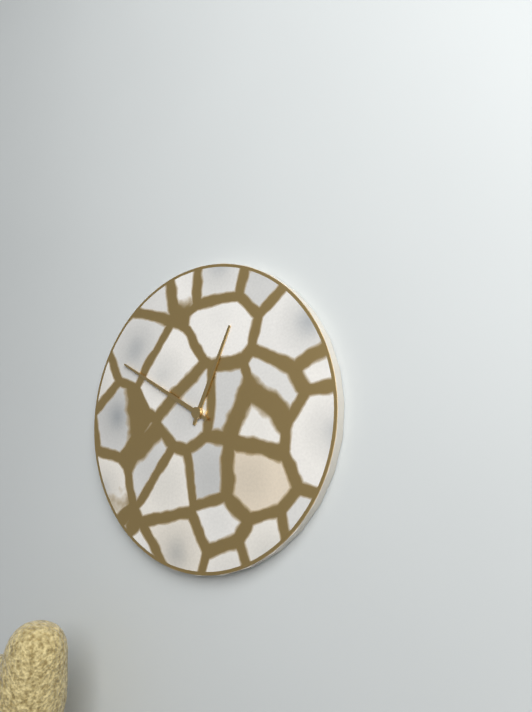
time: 12:50
